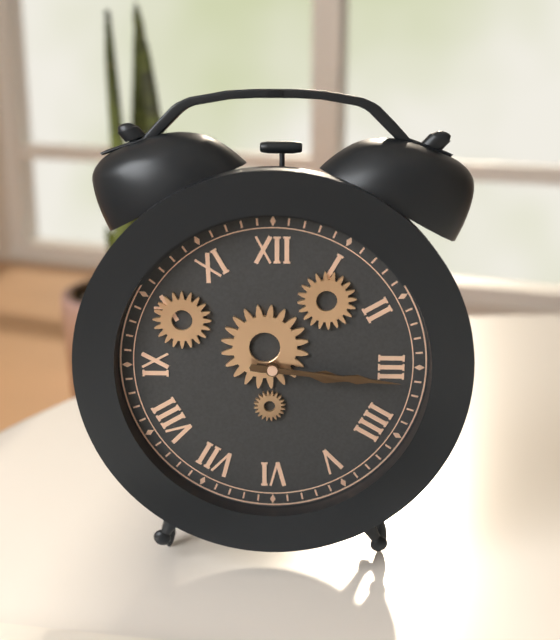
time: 3:16
